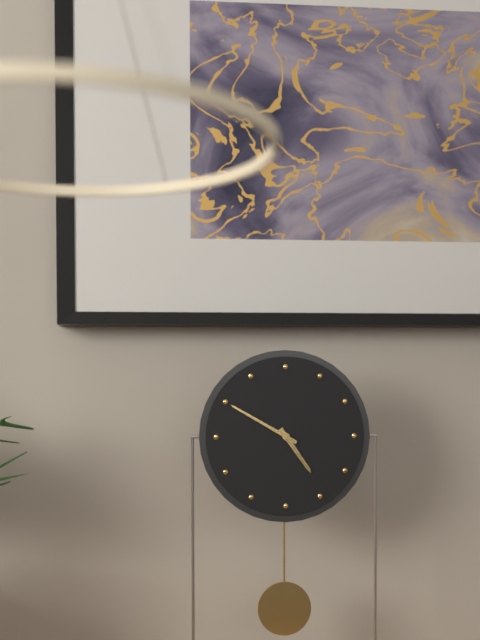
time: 4:50
